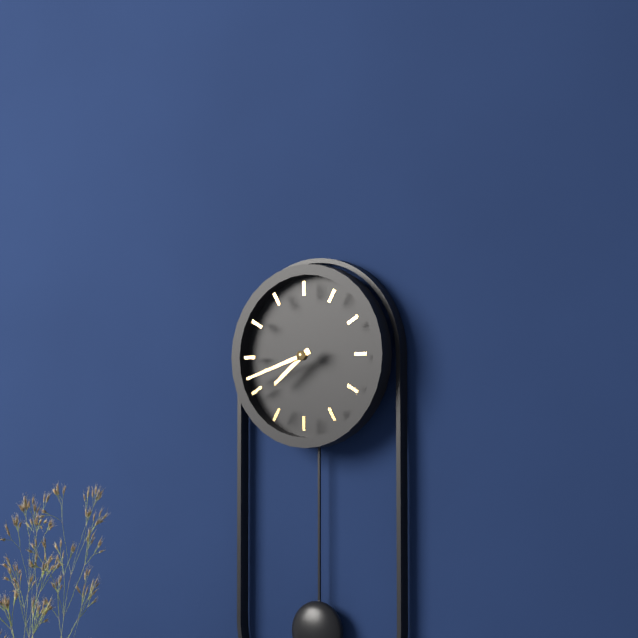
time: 7:42
